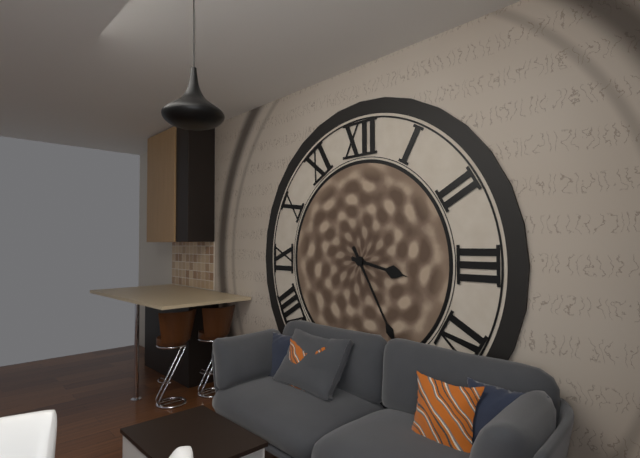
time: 3:25
